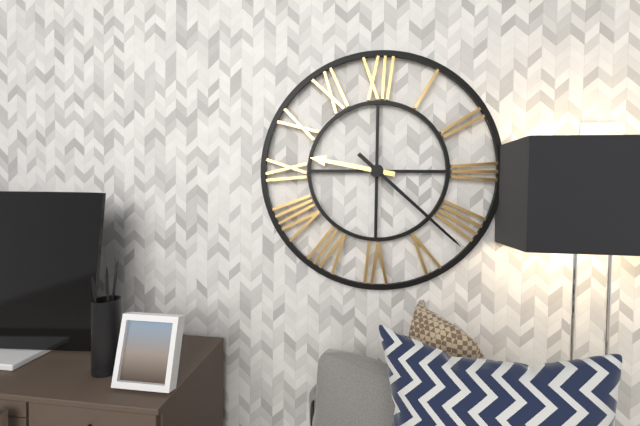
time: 9:22
